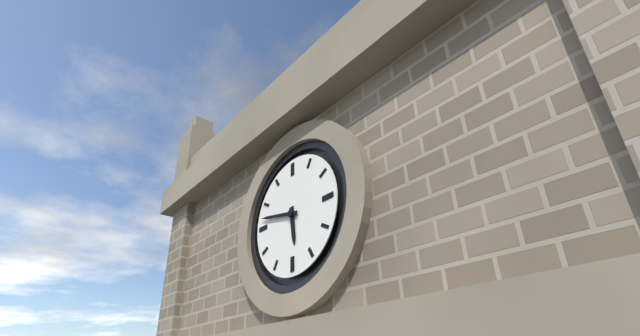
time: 5:47
